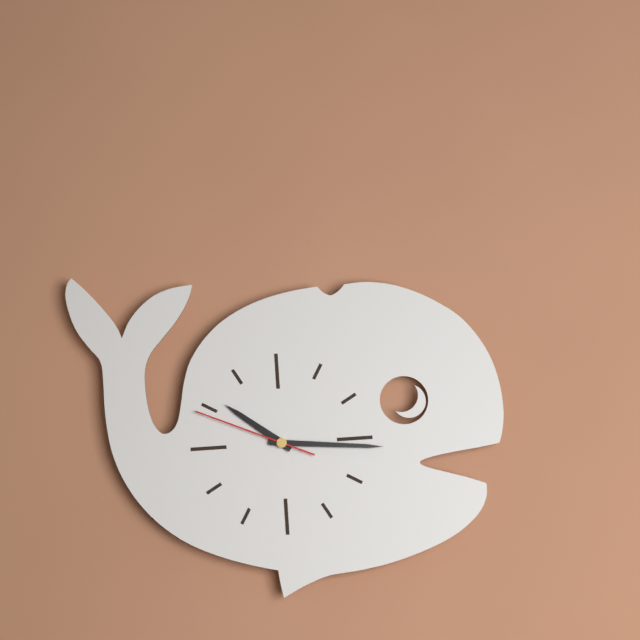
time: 10:16:49
